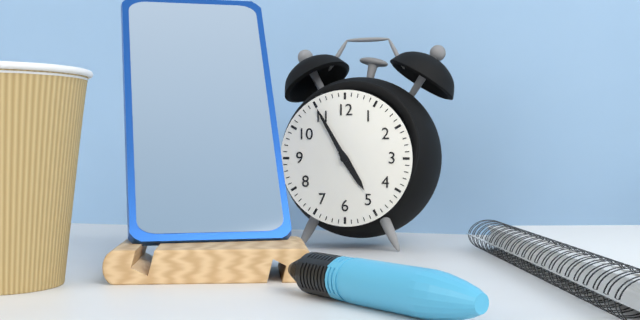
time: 4:55
